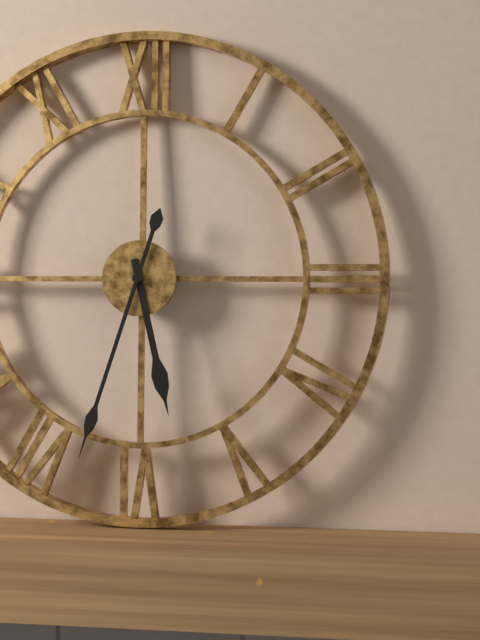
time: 5:33
